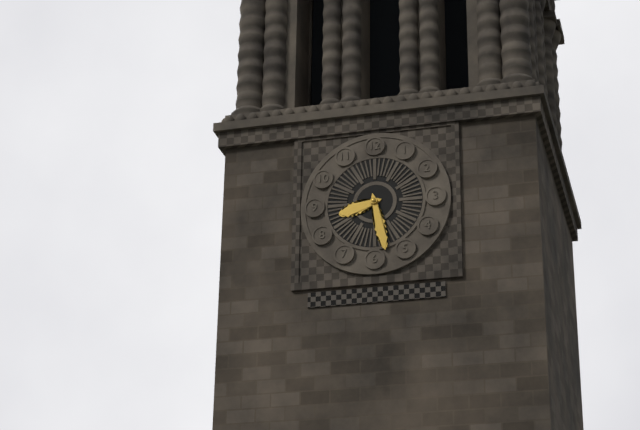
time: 8:28
